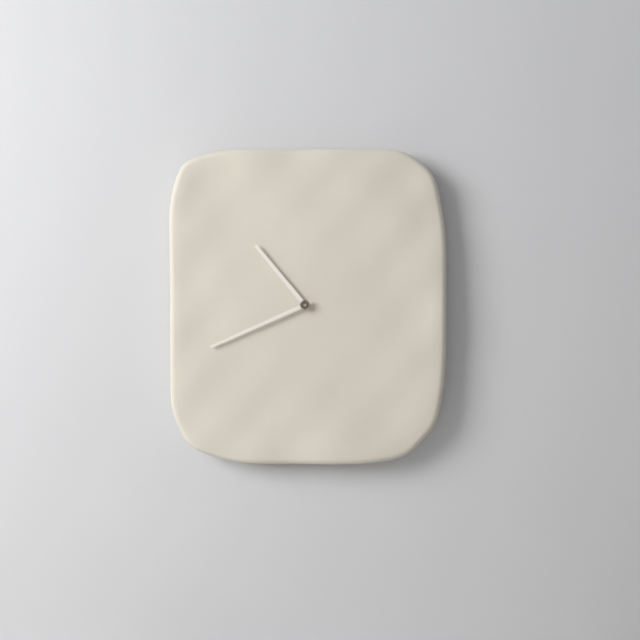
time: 10:41
